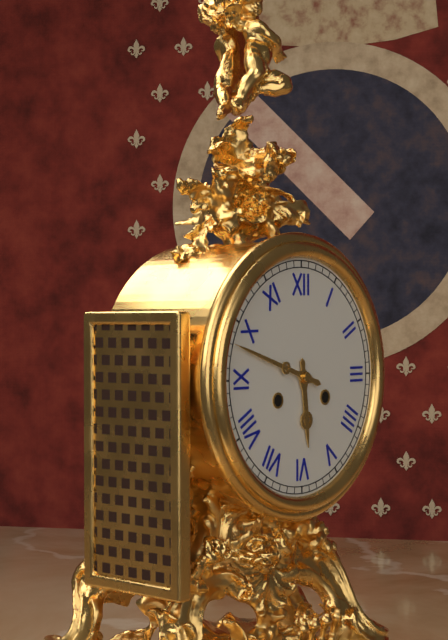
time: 5:48
